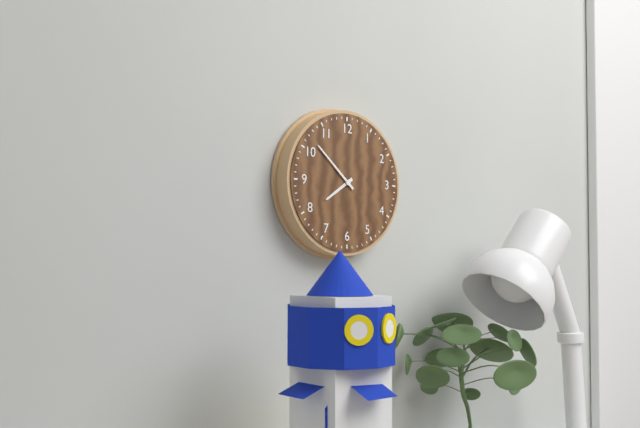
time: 7:52
